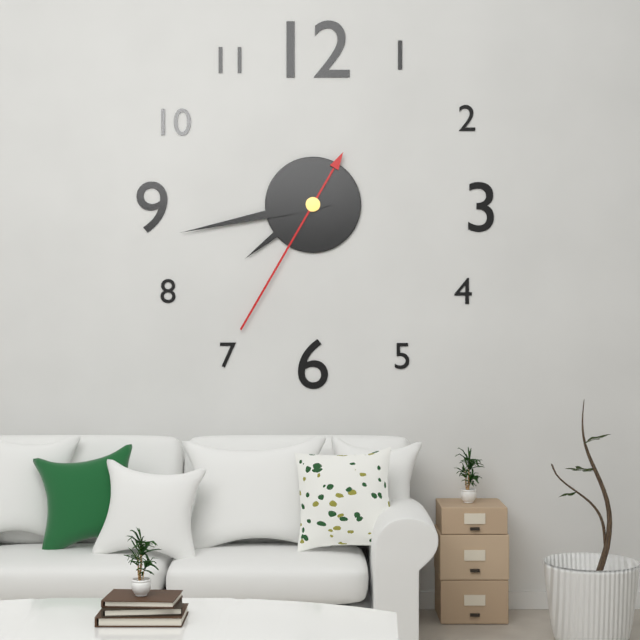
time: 7:43:35
